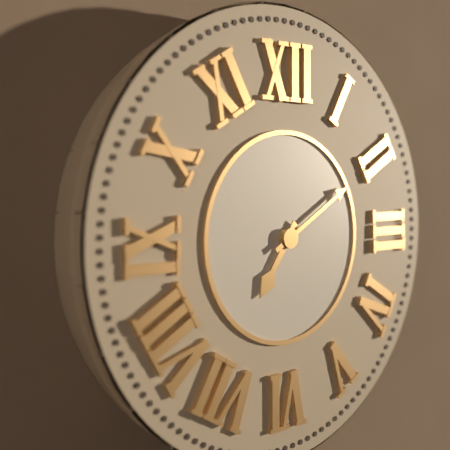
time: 7:10
